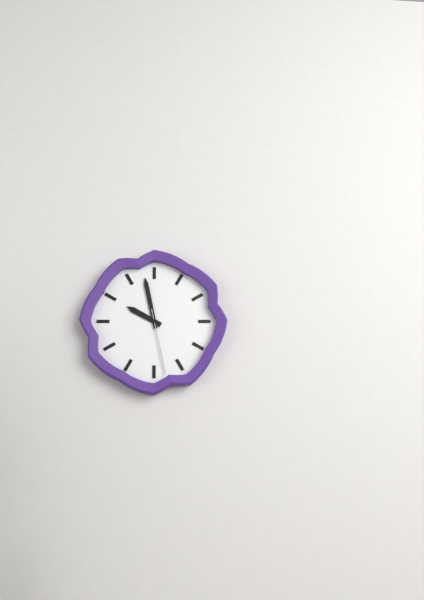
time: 9:58:28
